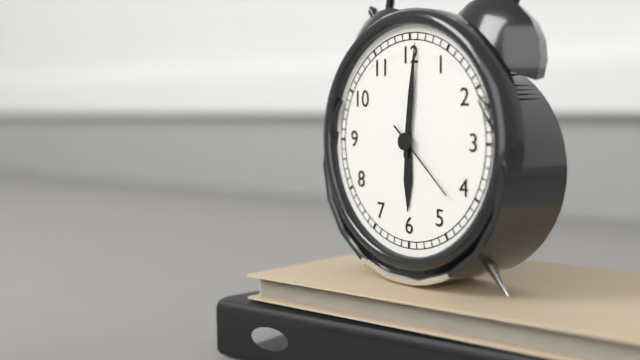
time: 6:01:22
